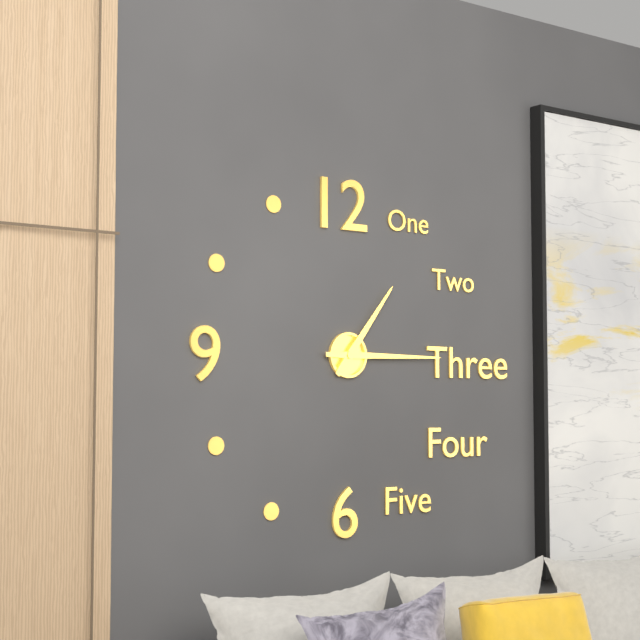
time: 1:15
